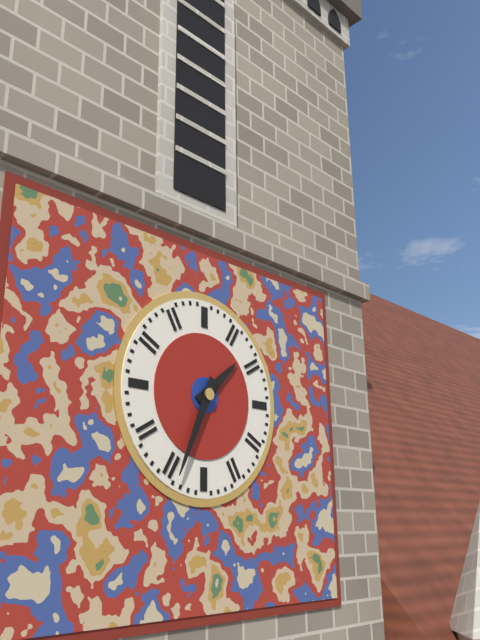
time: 1:34
